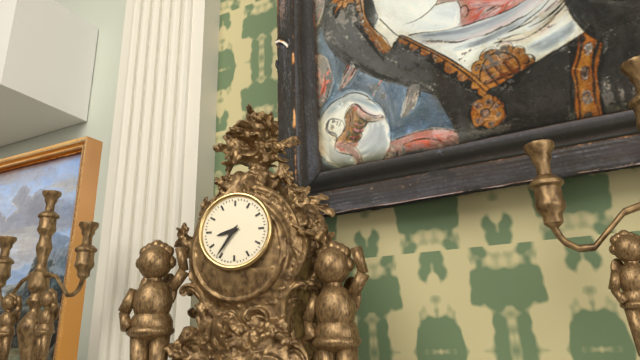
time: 8:36
